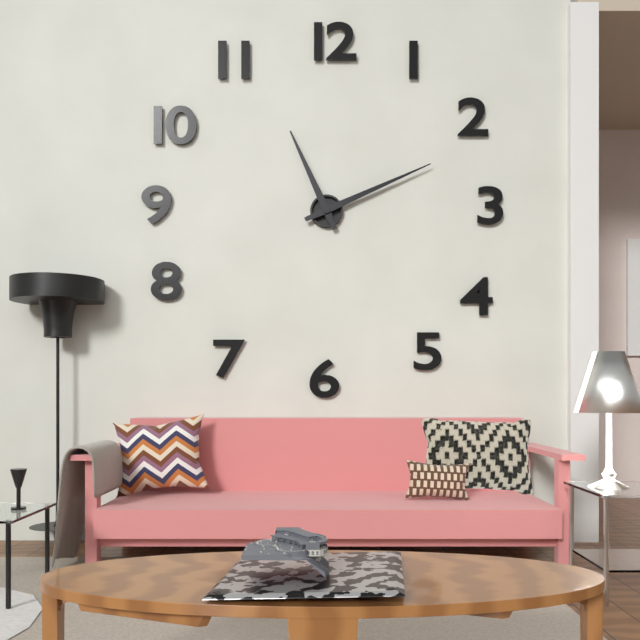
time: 11:11
